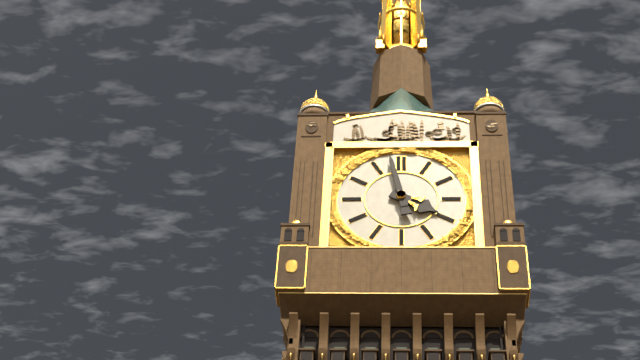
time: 3:58
